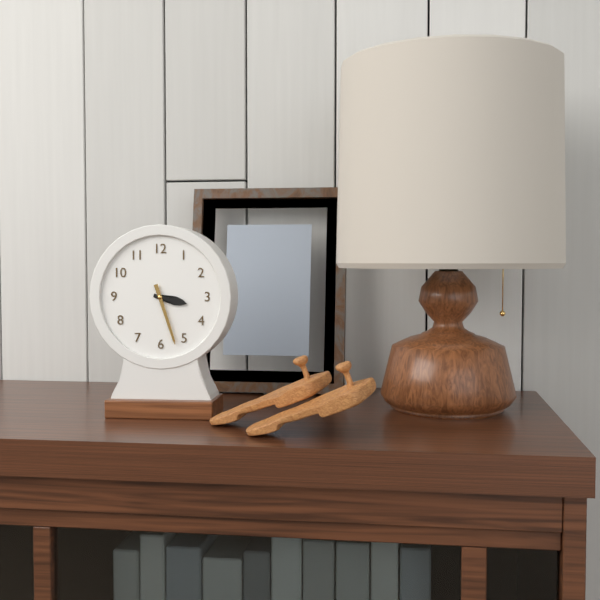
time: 3:27
